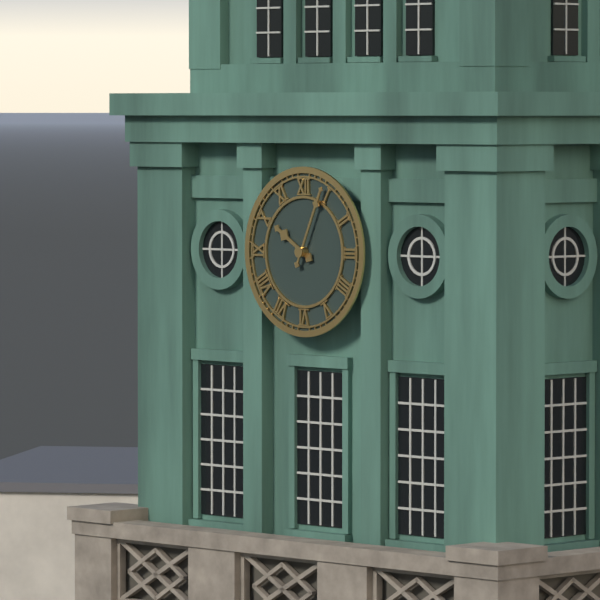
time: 10:04
